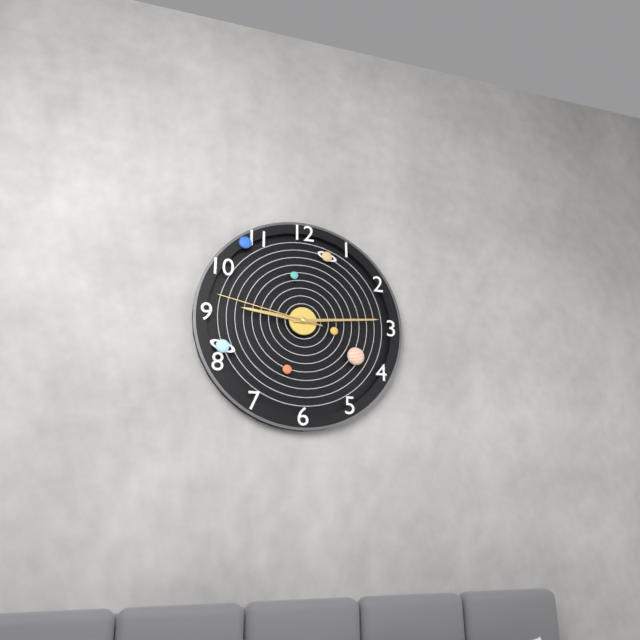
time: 9:14:47
